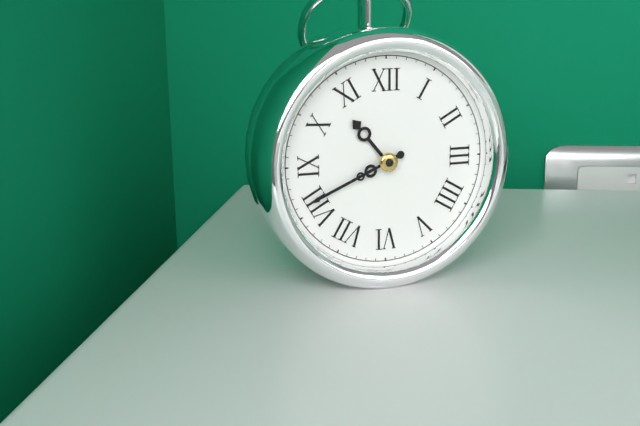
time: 10:41
